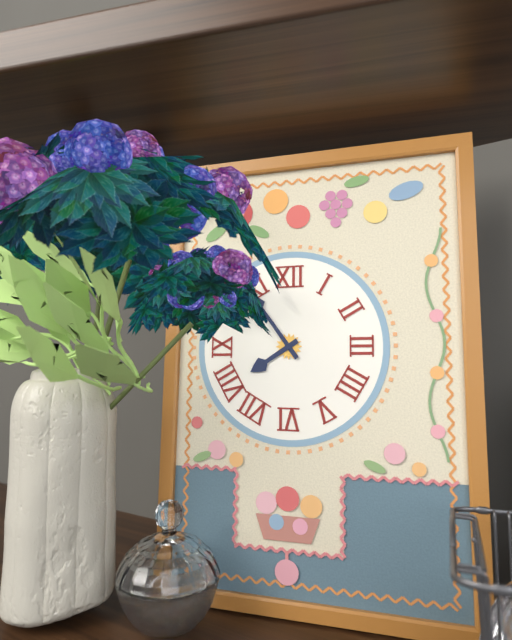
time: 7:54
